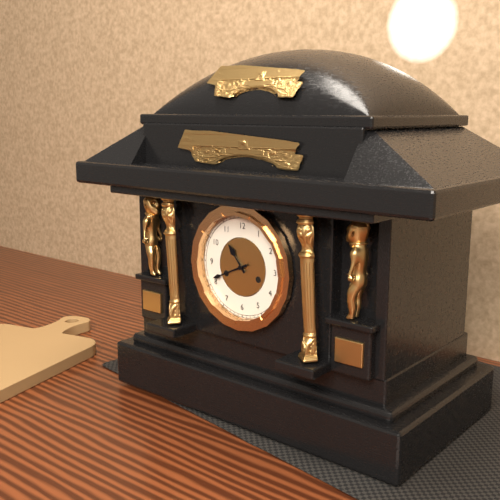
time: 10:41
